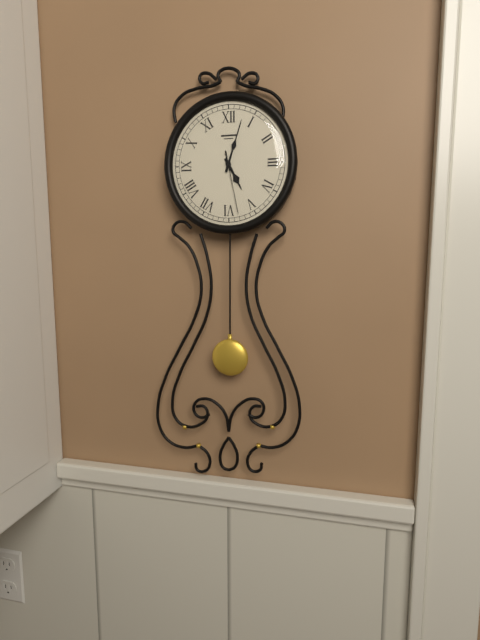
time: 5:03:28
